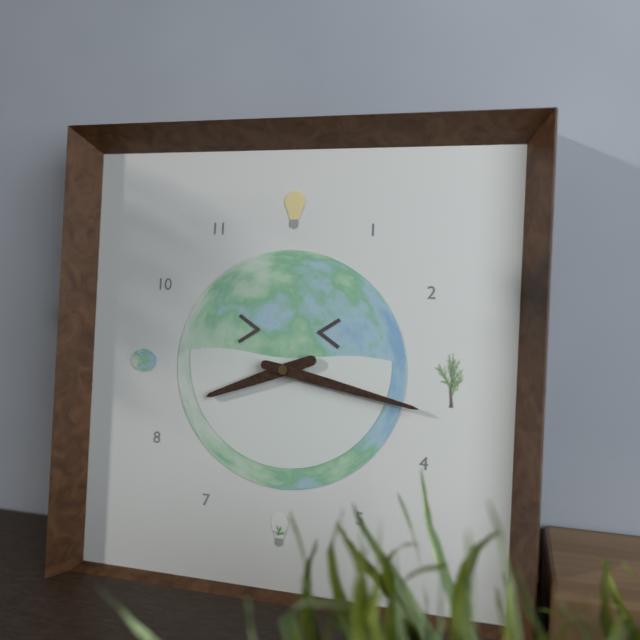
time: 8:17
